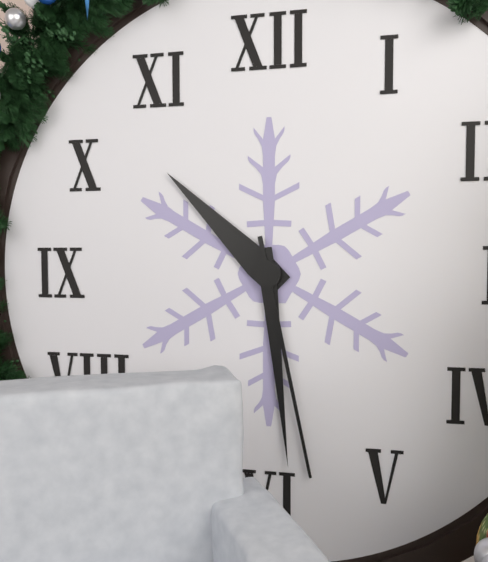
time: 10:29:28
